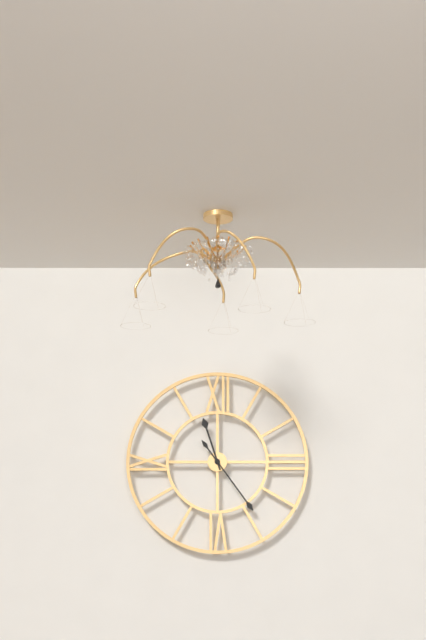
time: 11:24
